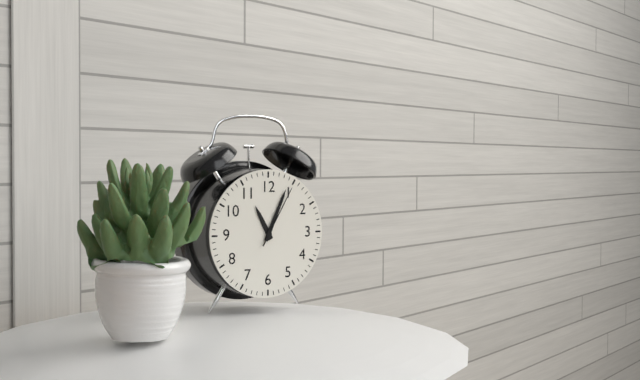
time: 11:04:05
